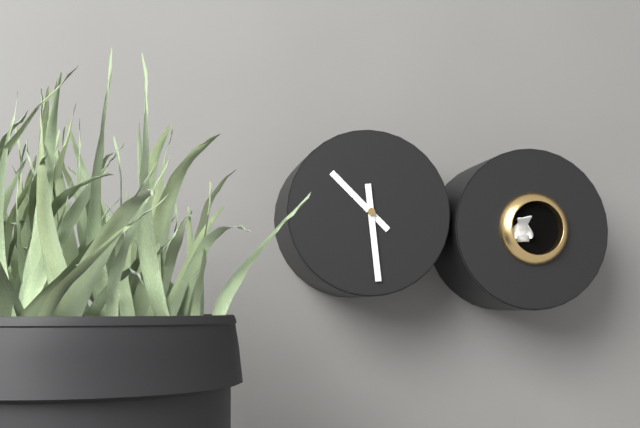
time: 10:29
